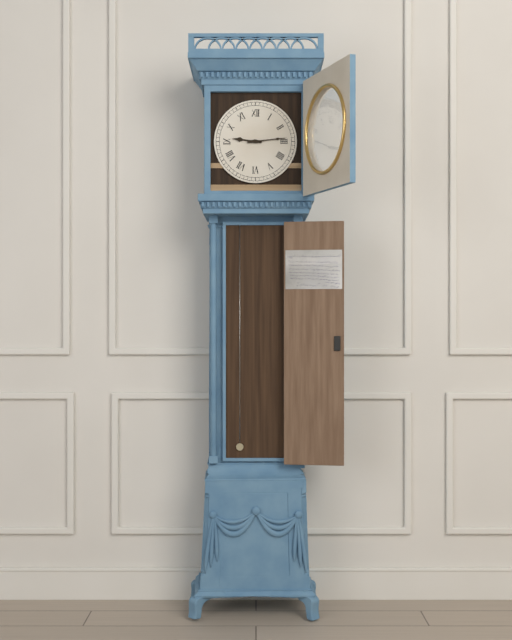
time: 9:14
